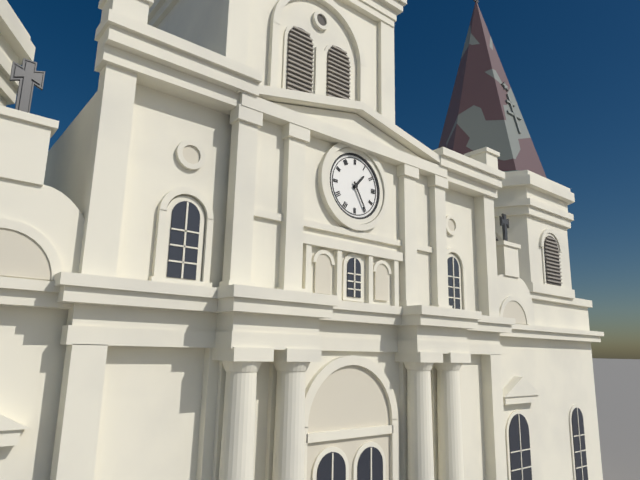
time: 1:25
